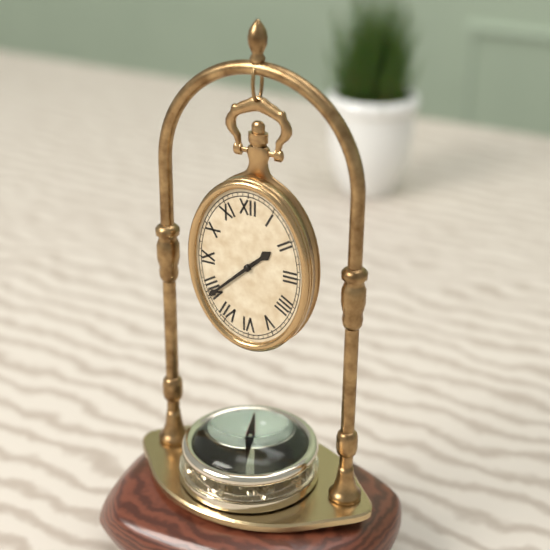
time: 1:38
